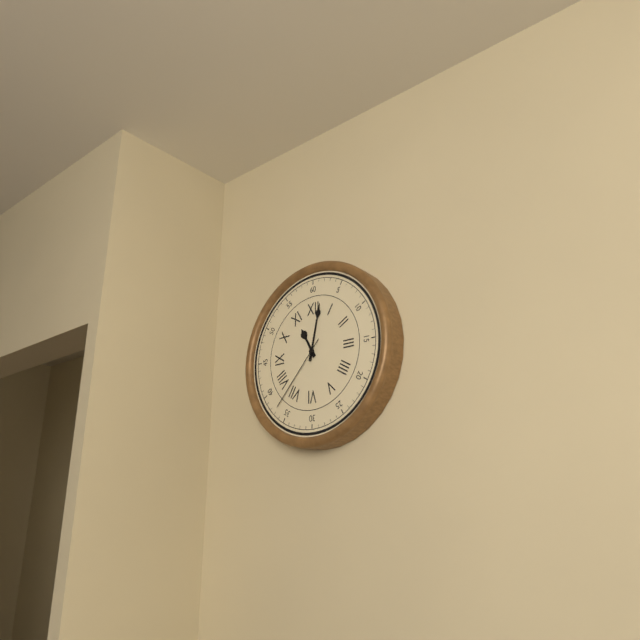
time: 11:02:37
